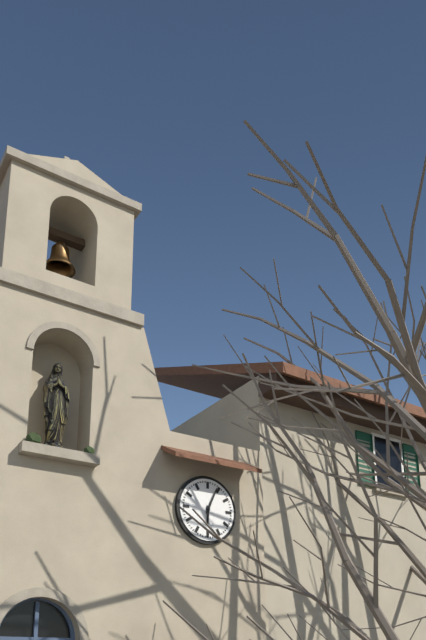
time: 6:04
